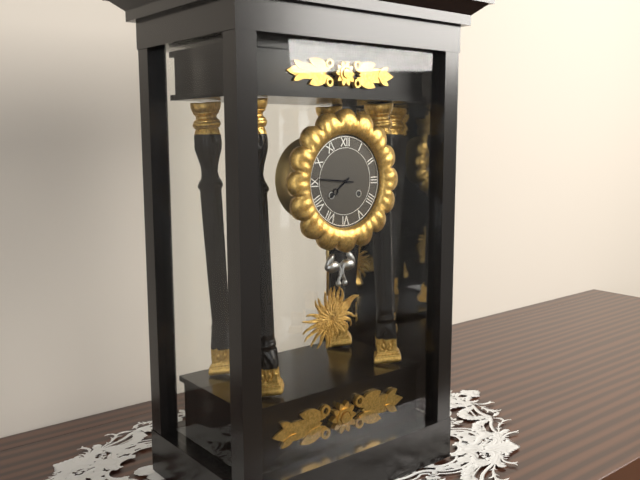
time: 7:46
